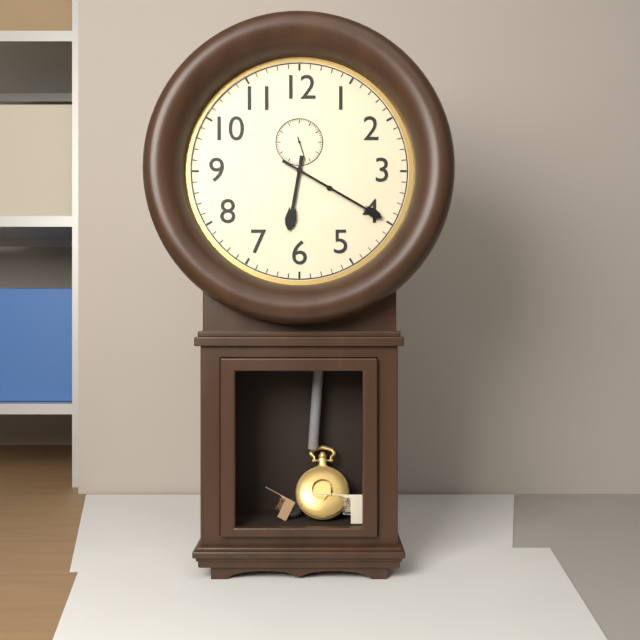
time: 6:20
